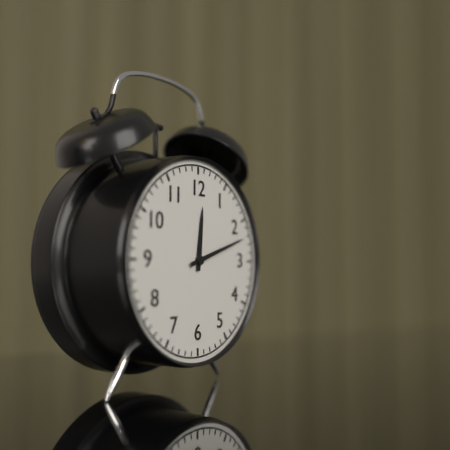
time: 12:12
